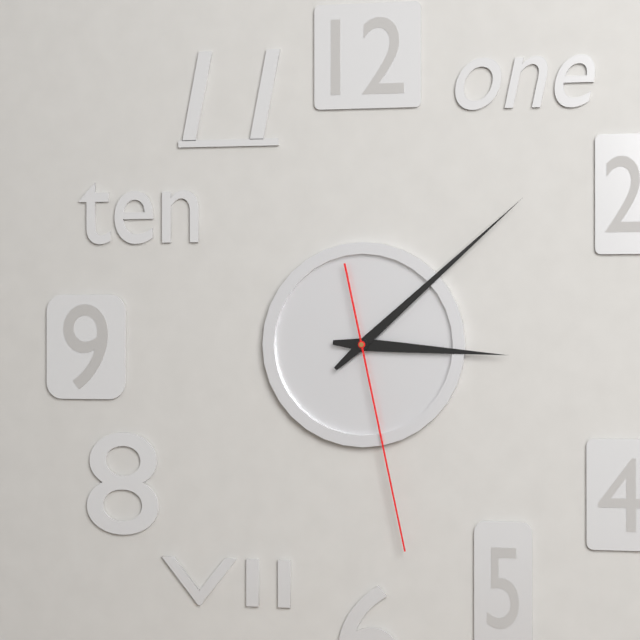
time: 3:08:28
